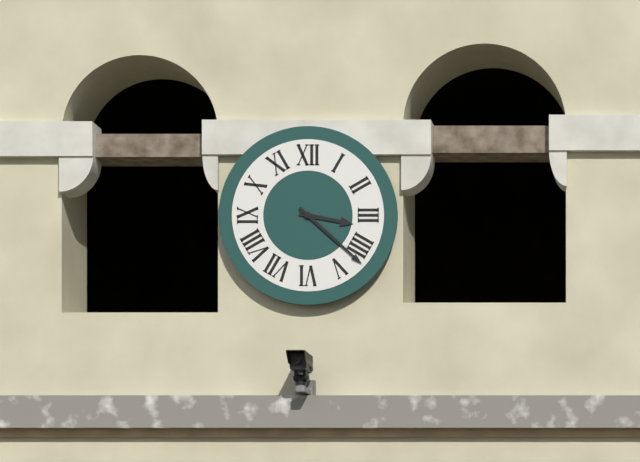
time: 3:22
